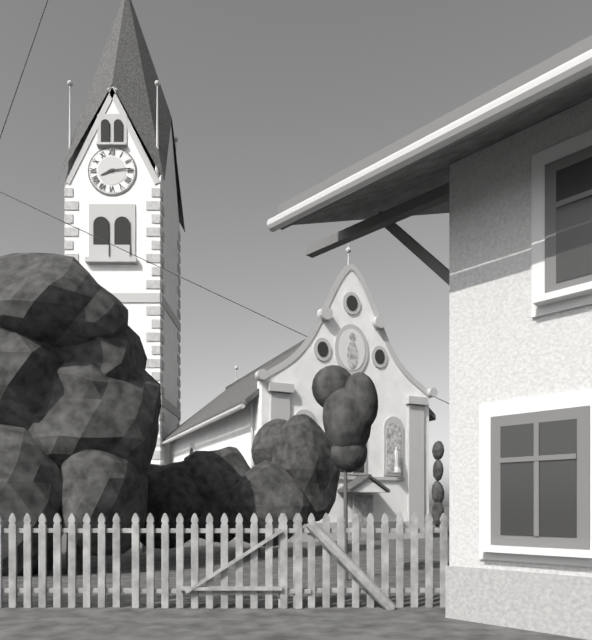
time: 8:14
